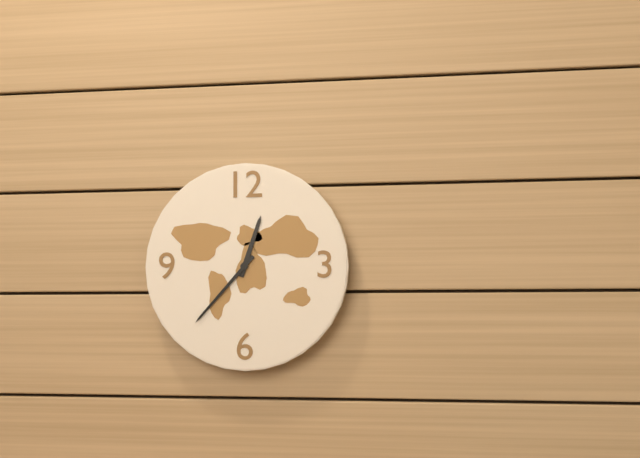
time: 12:37
